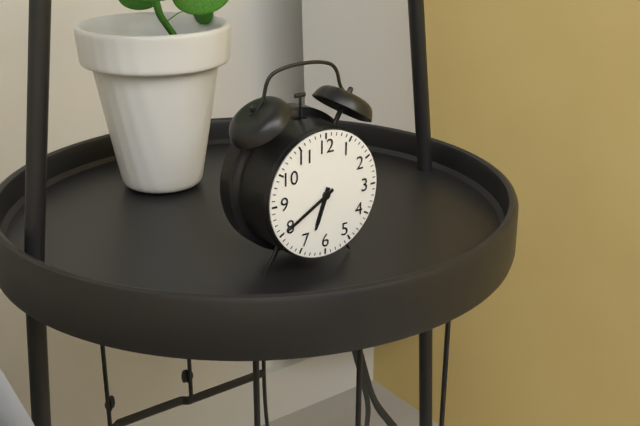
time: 6:40
